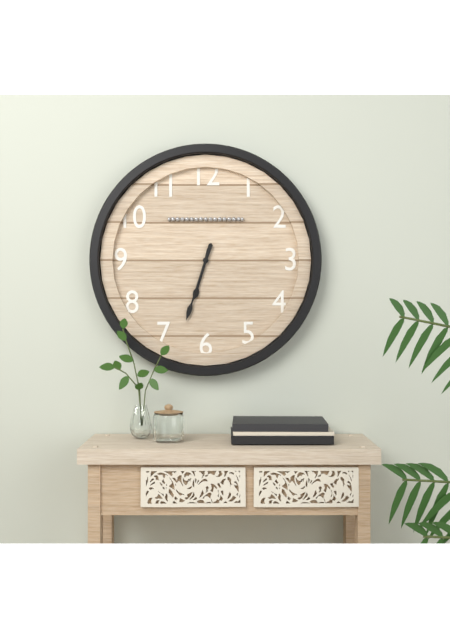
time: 6:33
